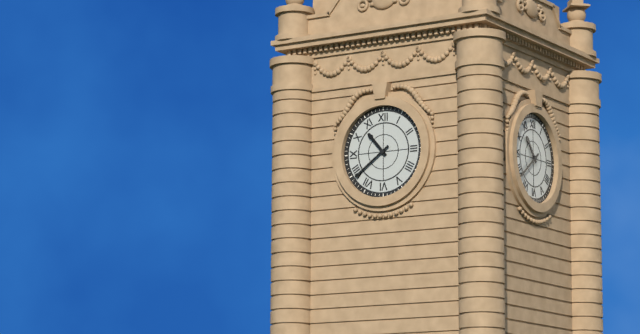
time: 10:39
